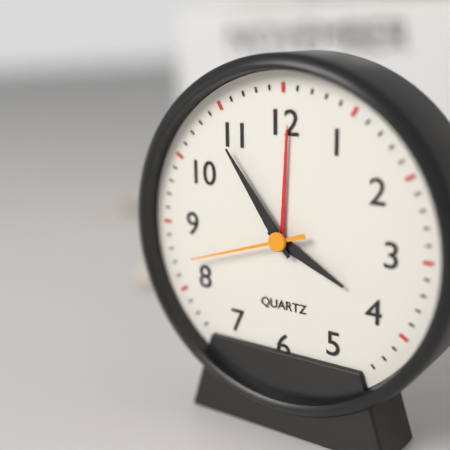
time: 3:54:42
